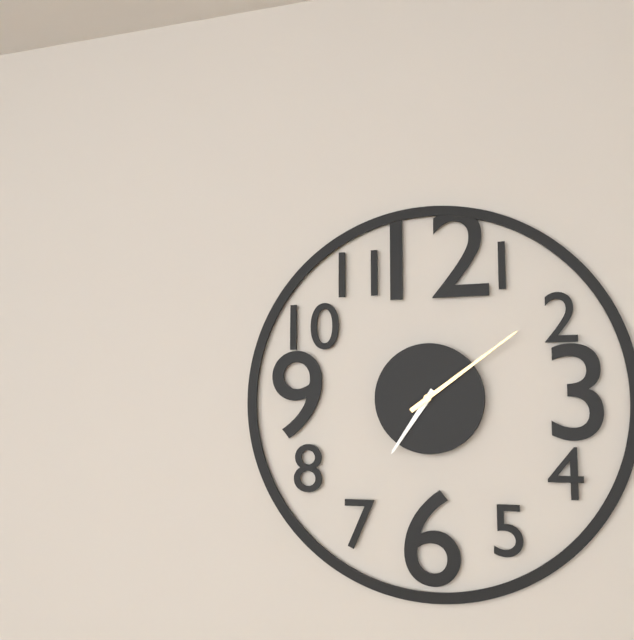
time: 7:09
